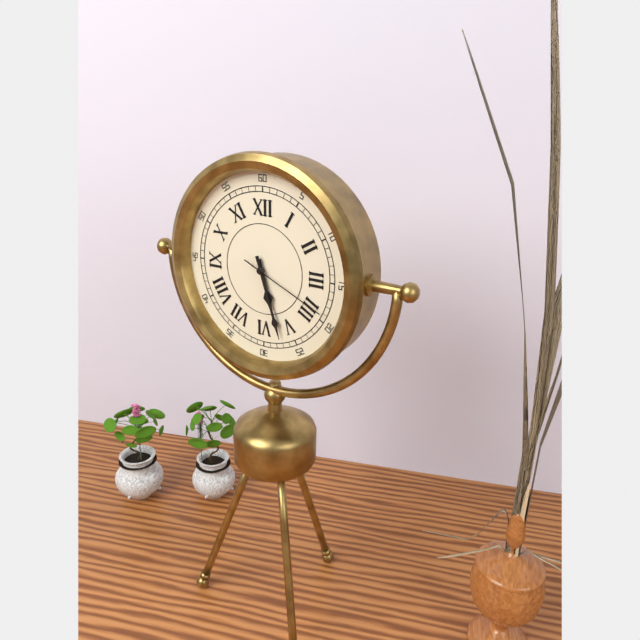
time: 5:27:19
